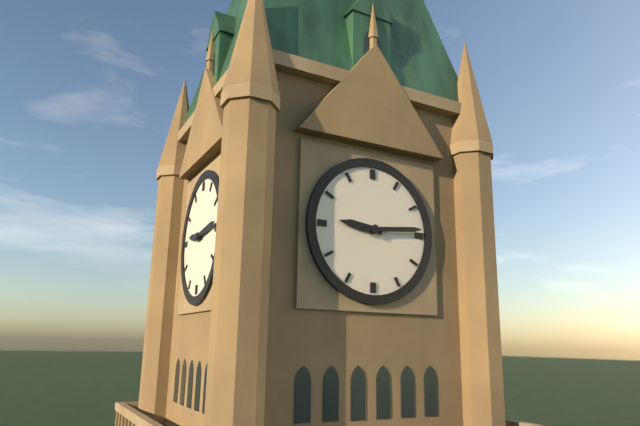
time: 9:14
